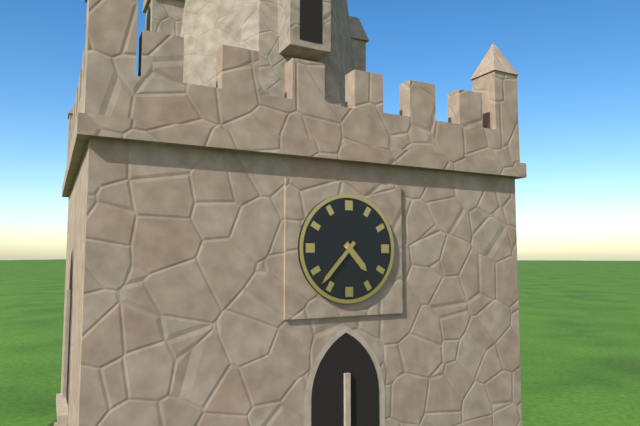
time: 4:37
